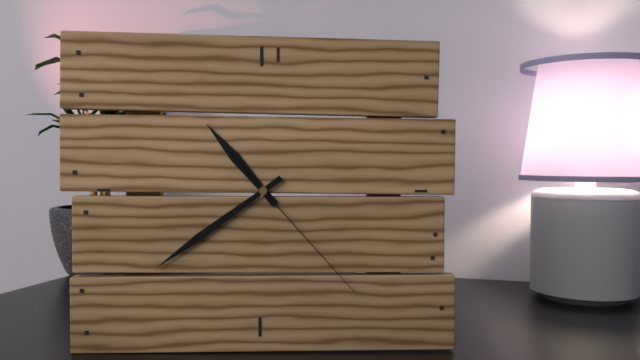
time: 10:39:23
